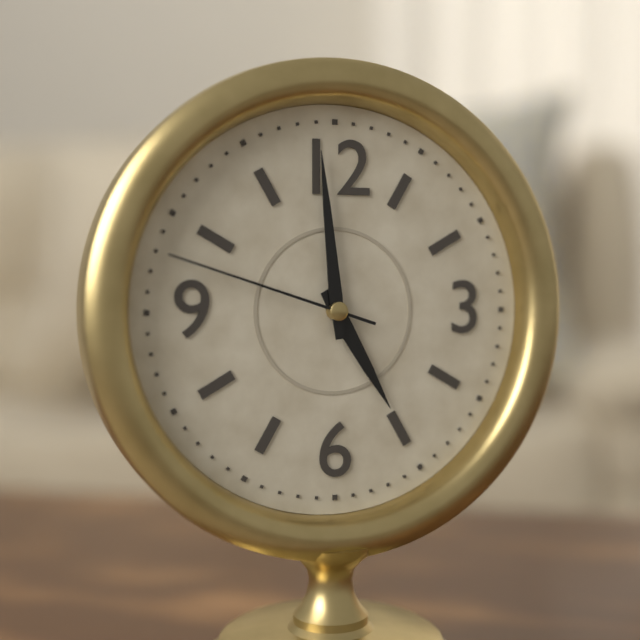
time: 4:59:48
